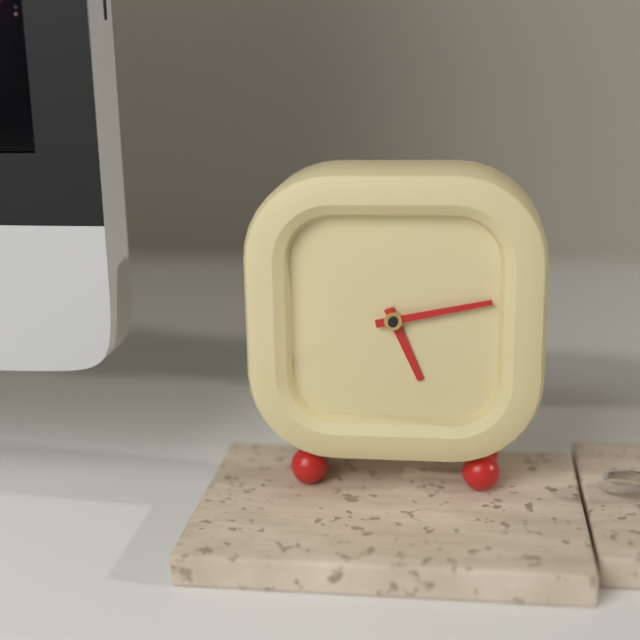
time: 5:13
